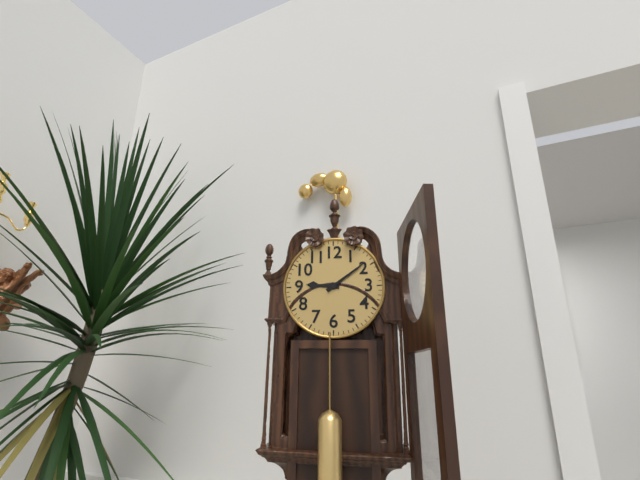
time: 9:09
